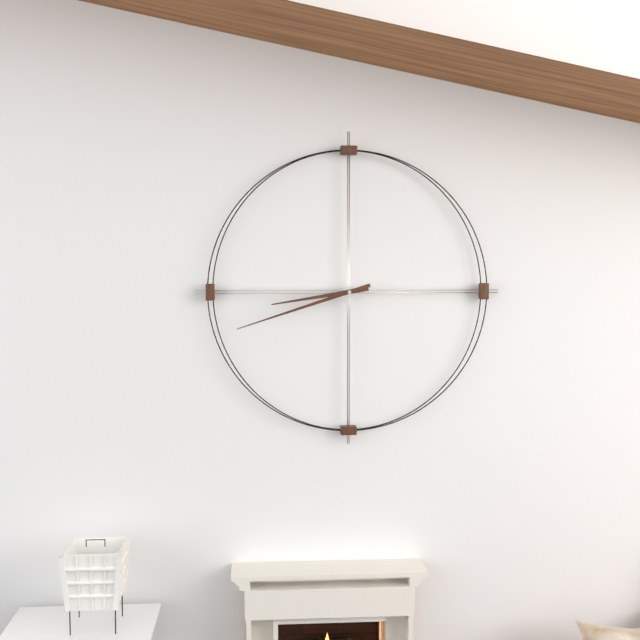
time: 8:42
